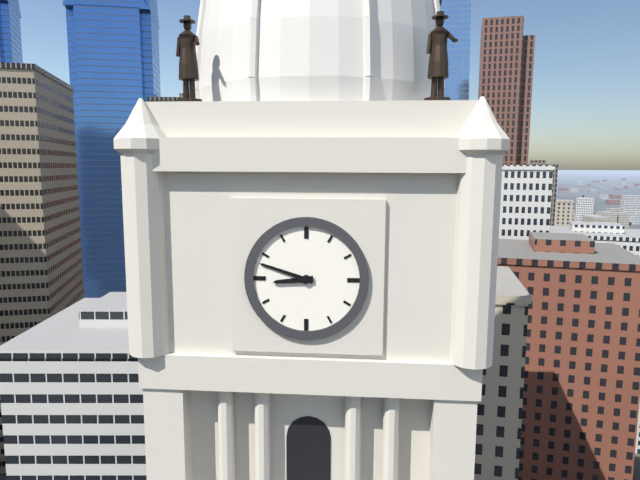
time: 8:48
